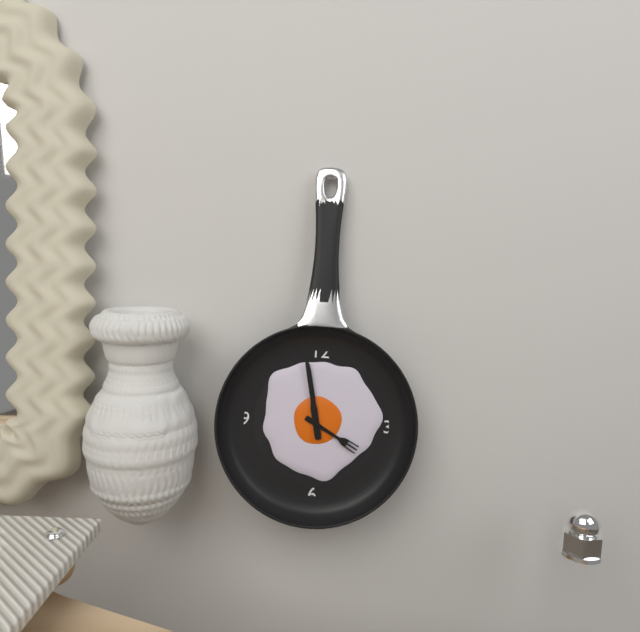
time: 3:58
